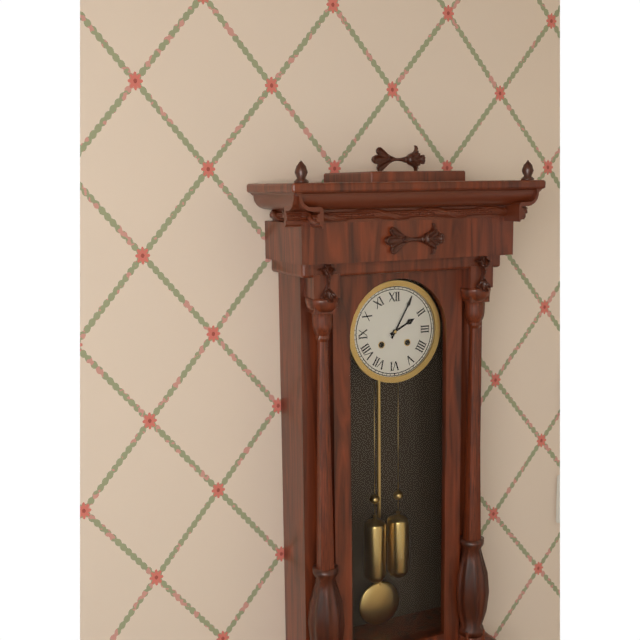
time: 2:05
